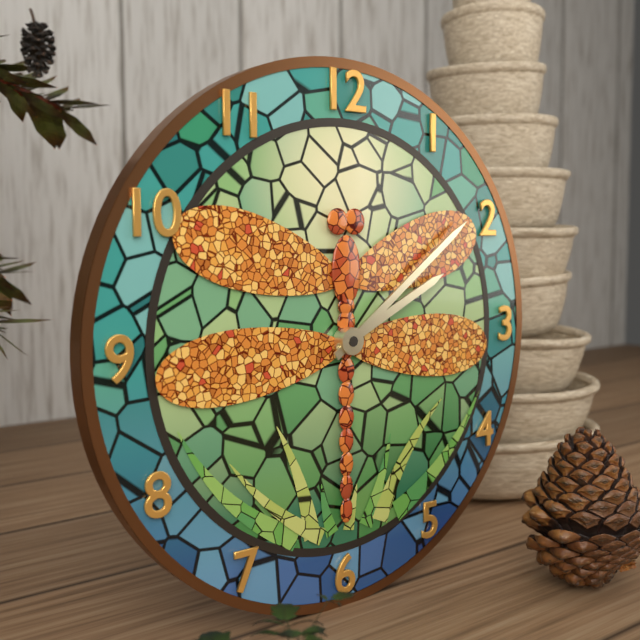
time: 2:09
